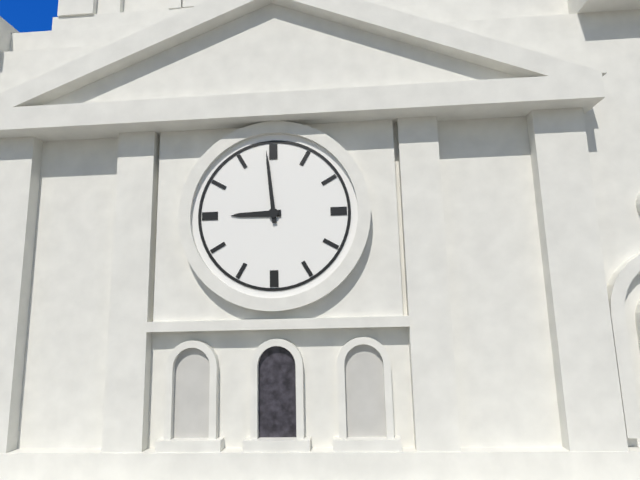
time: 8:59
